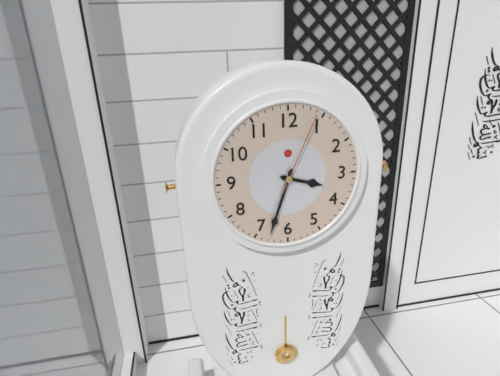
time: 3:33:04
